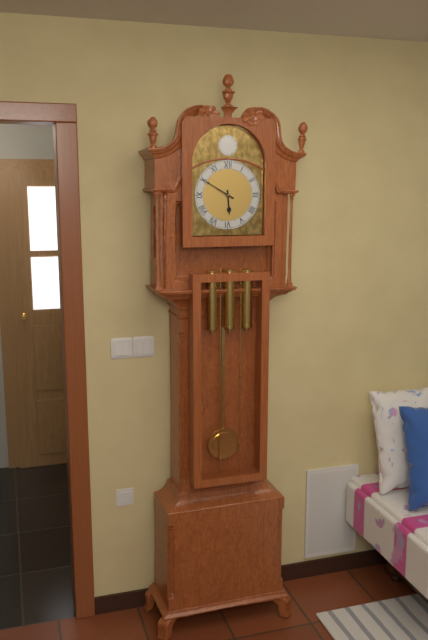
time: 5:50
